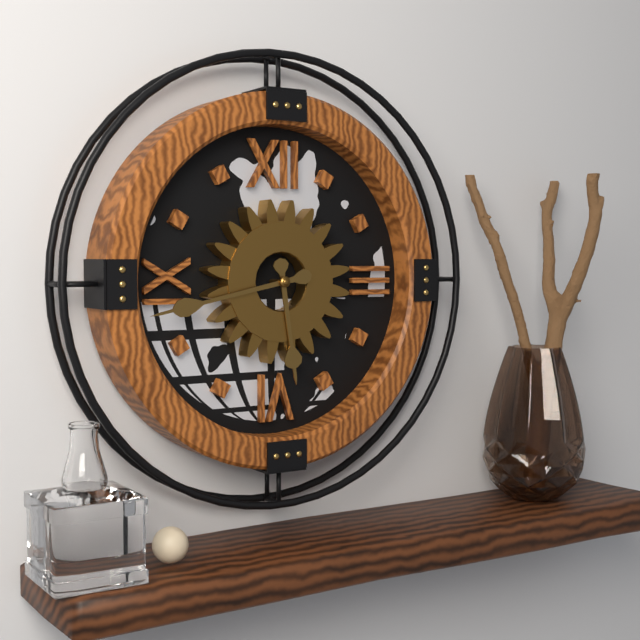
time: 5:43
